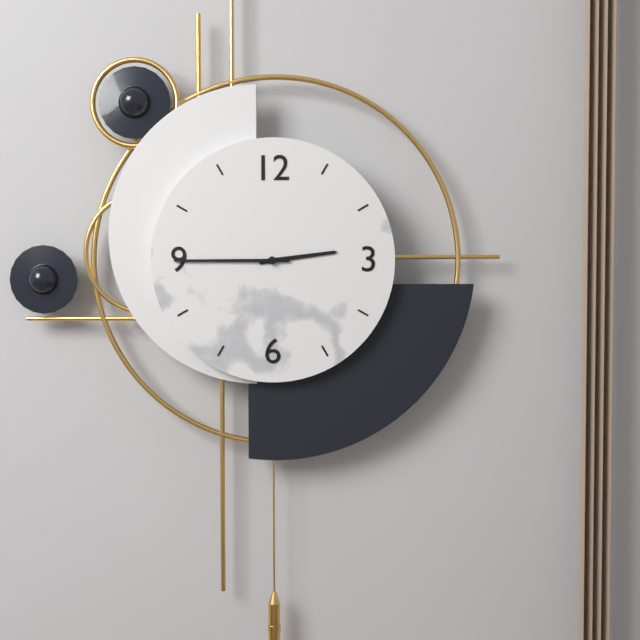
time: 2:45
